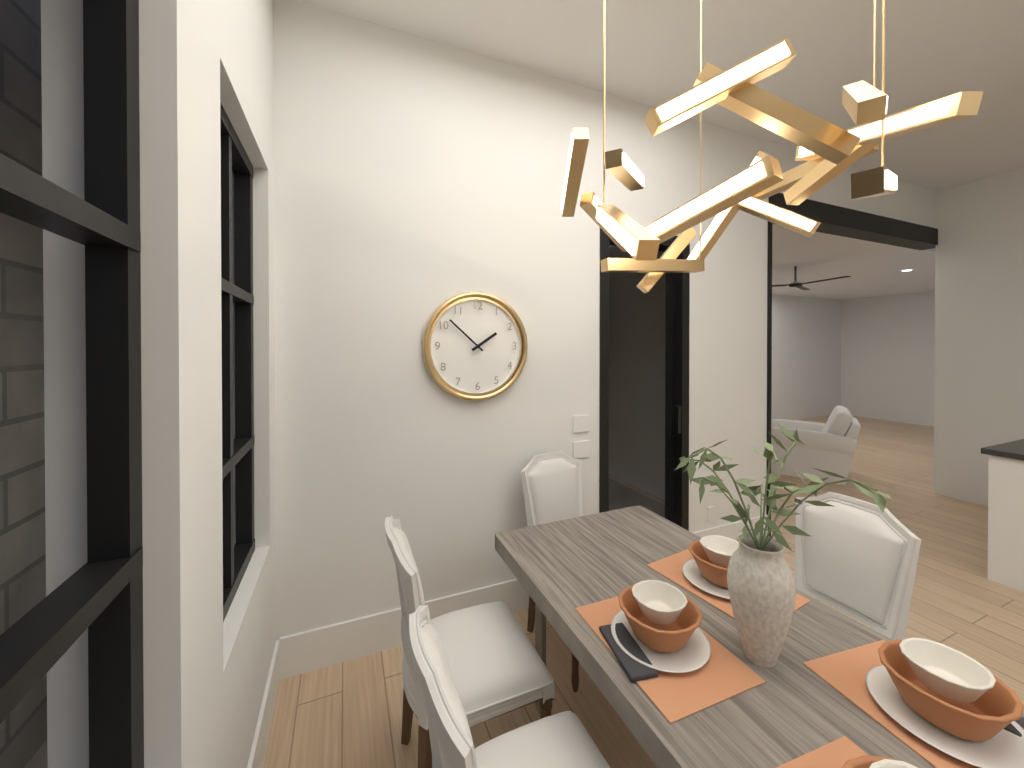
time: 1:52
